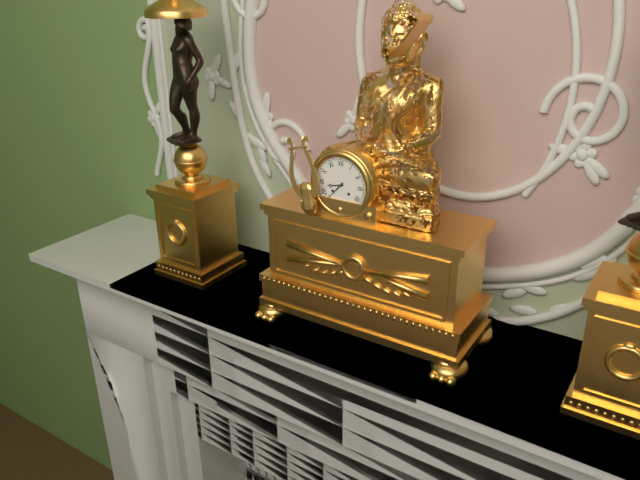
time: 8:37
